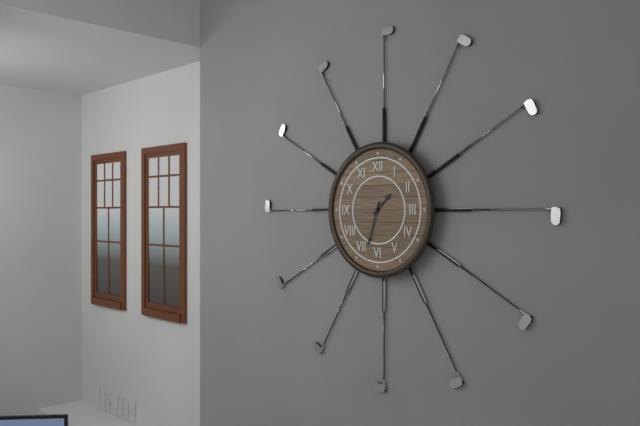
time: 1:33
